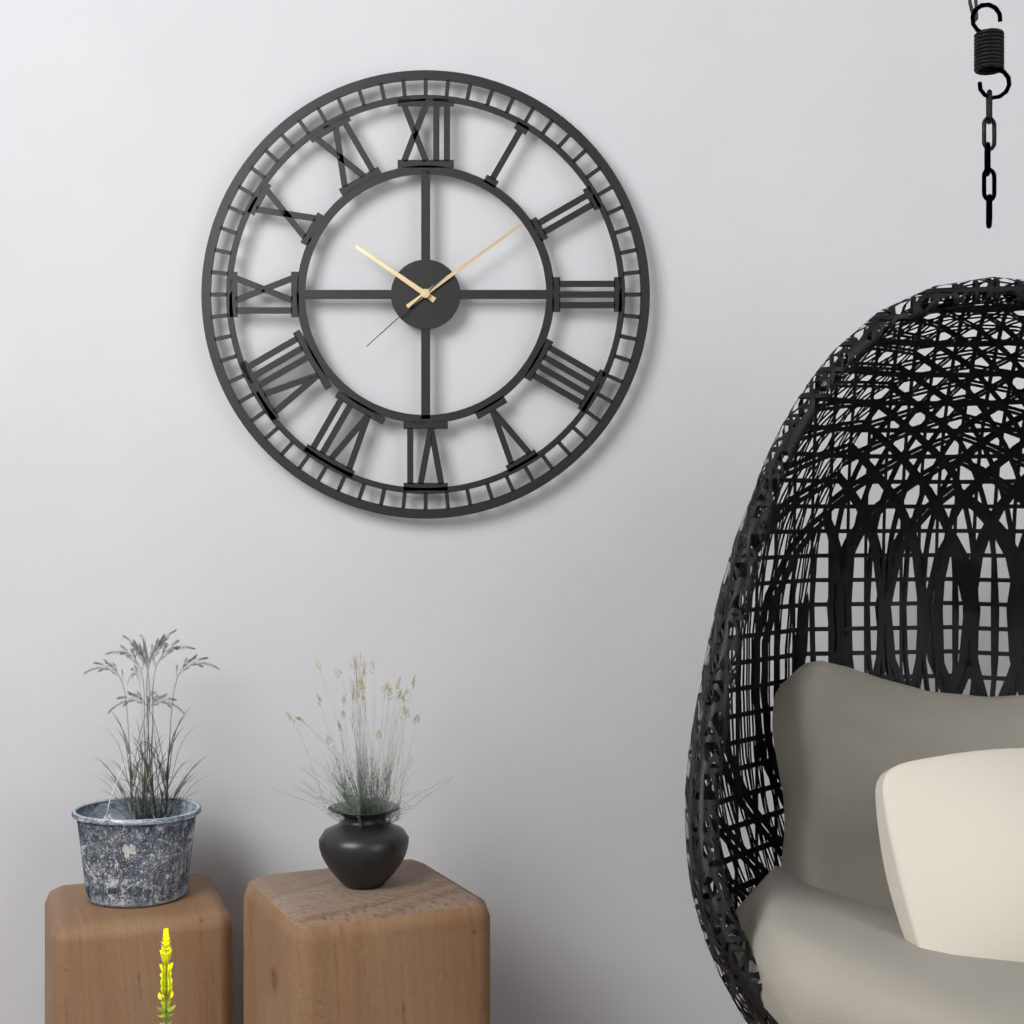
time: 10:09:38
